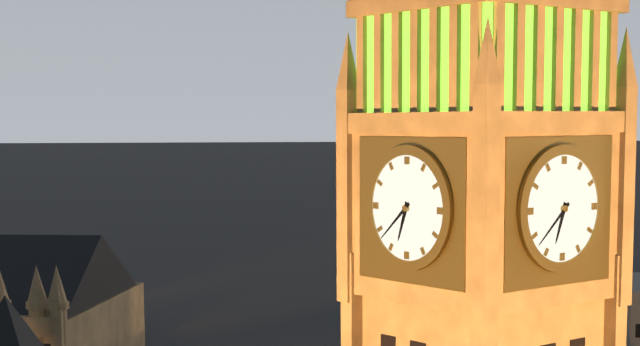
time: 6:38
